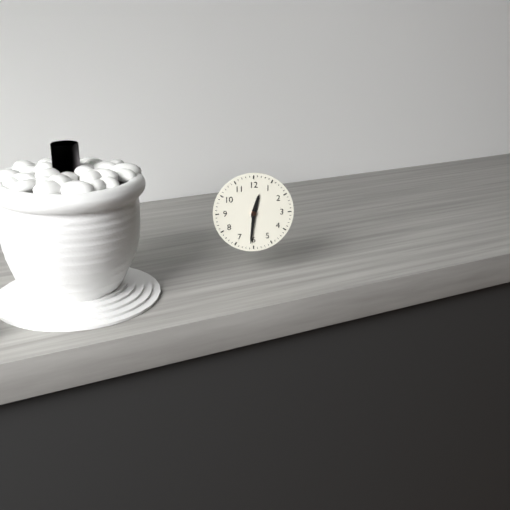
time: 12:31
